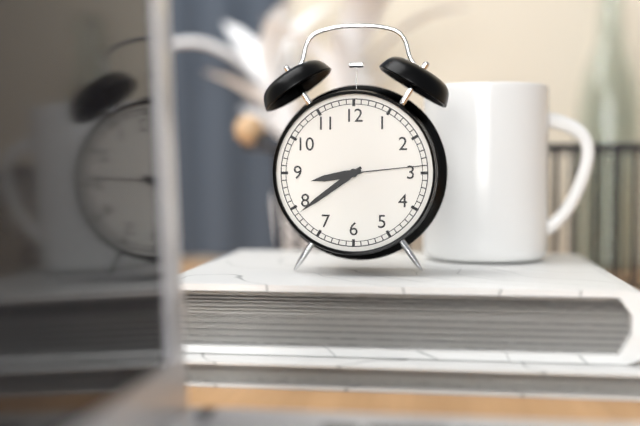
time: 8:39:14
